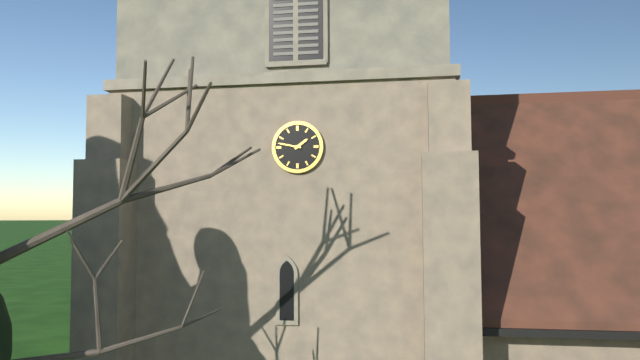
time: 1:47
